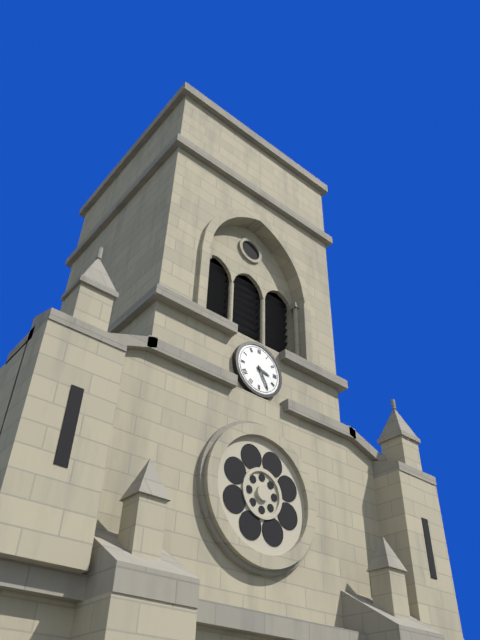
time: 3:25
